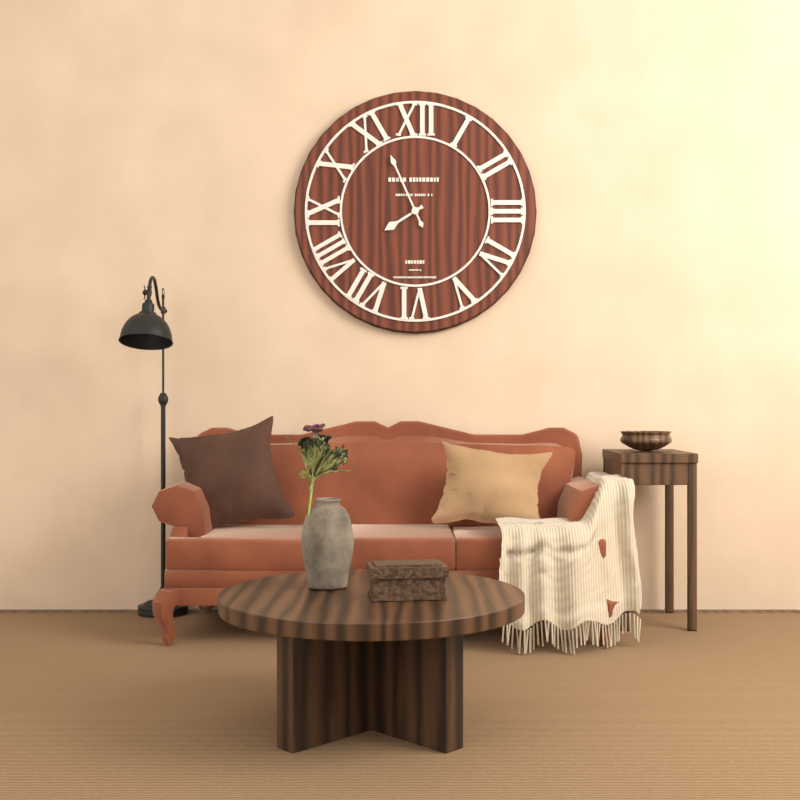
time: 7:56
